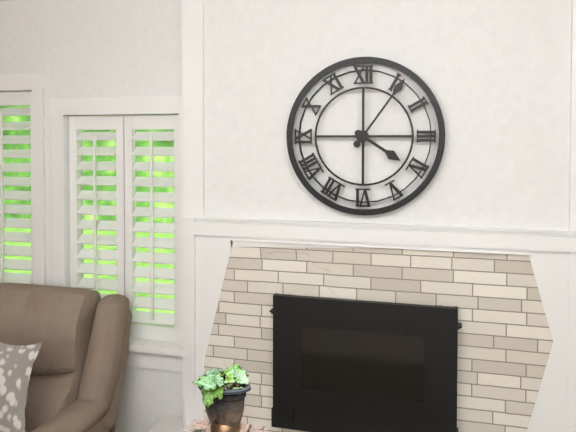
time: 4:06
